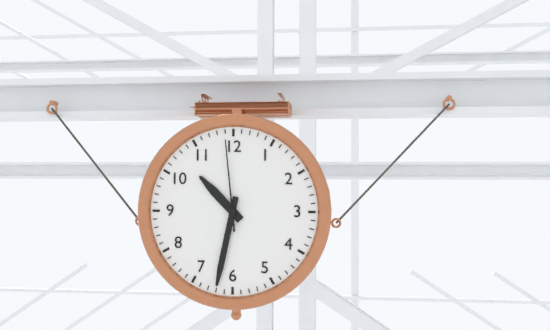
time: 10:32:59
